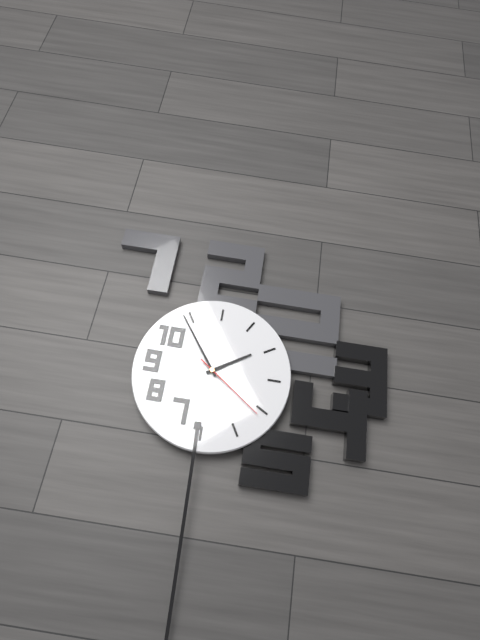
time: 1:54:21
